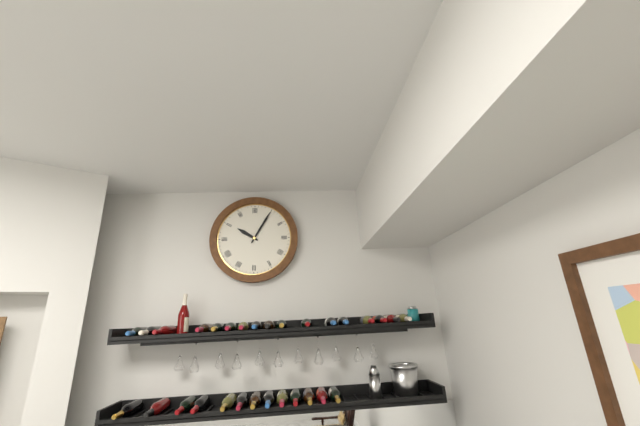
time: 10:05
